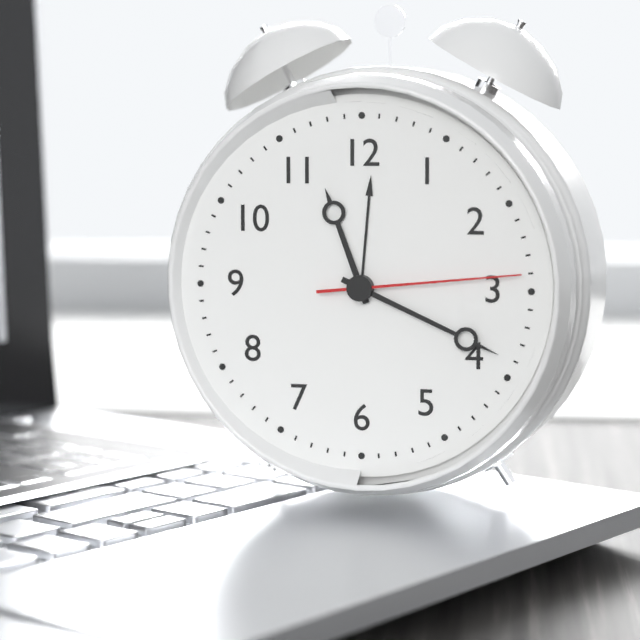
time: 11:19:14
